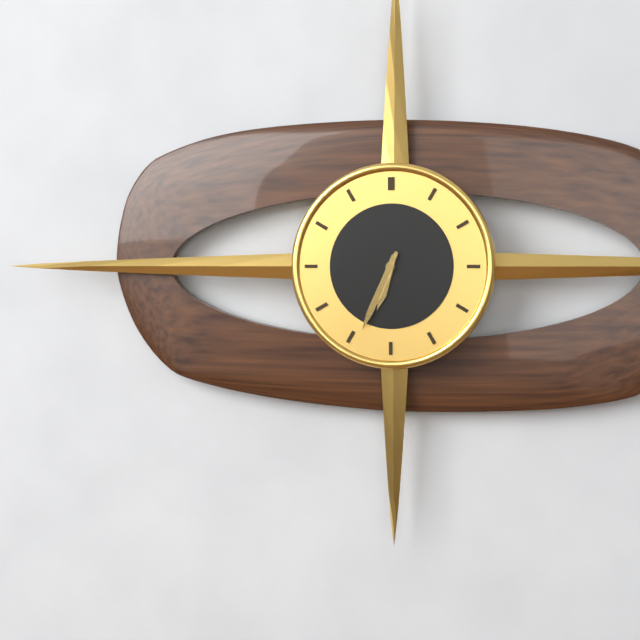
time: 6:34
